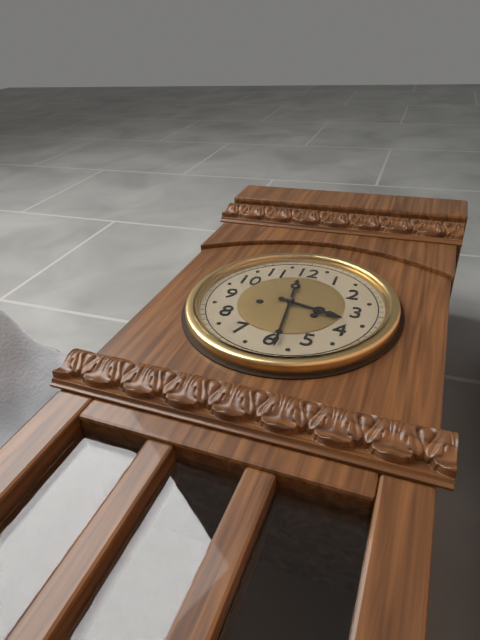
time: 3:29
